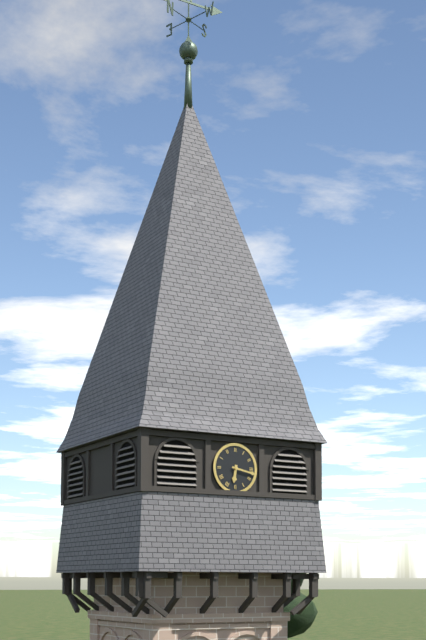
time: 6:17
